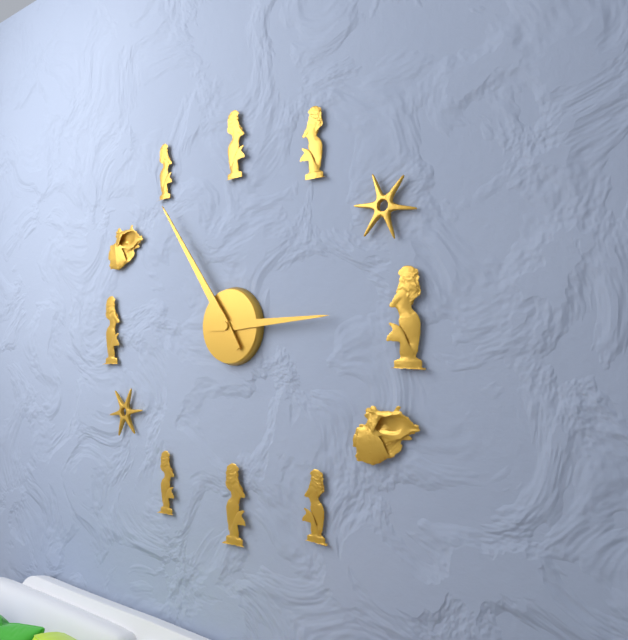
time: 2:54
